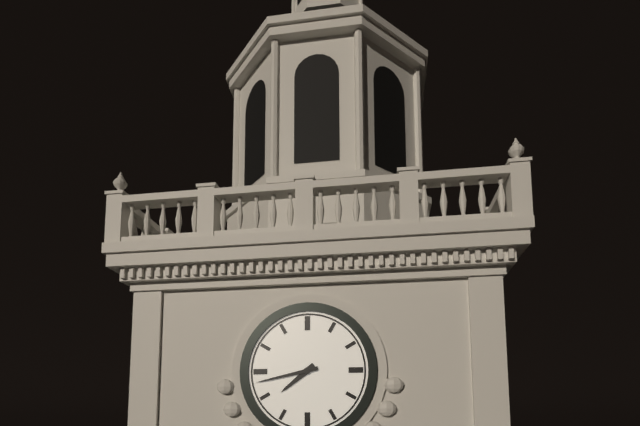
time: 7:43
